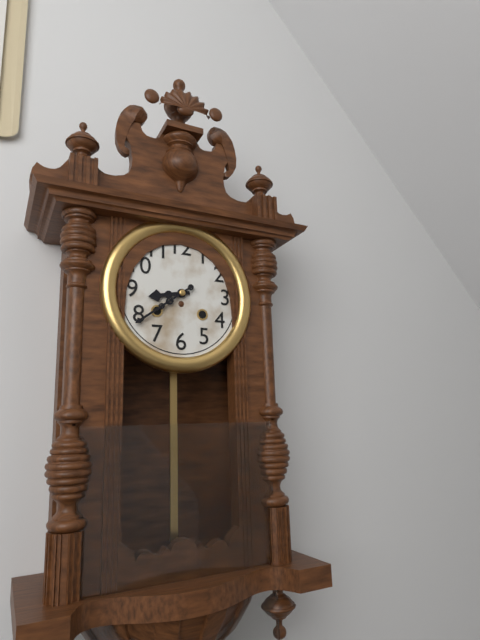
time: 8:39
